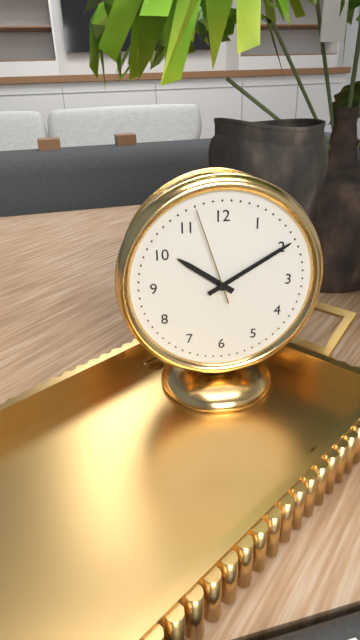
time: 10:10:57
